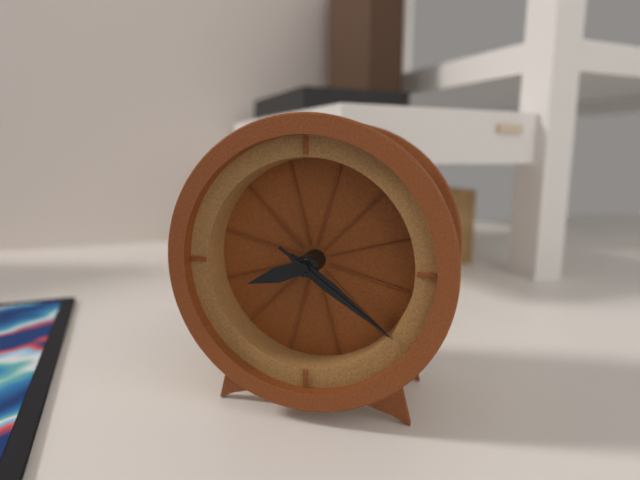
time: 8:21:21
